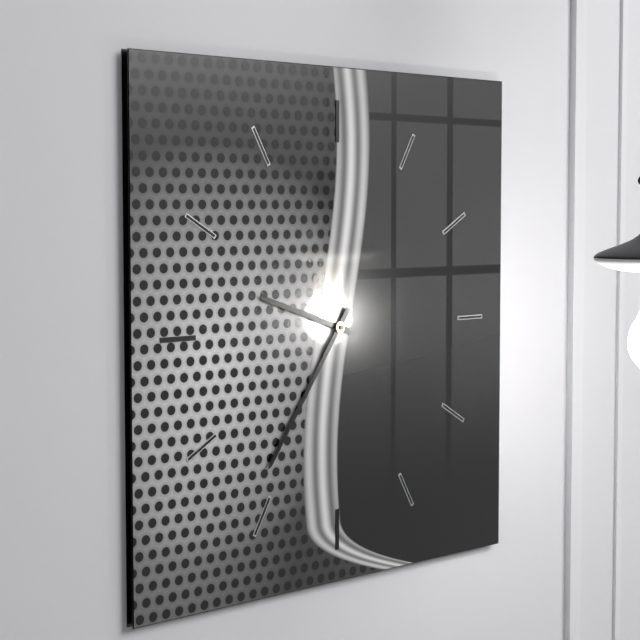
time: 9:36
